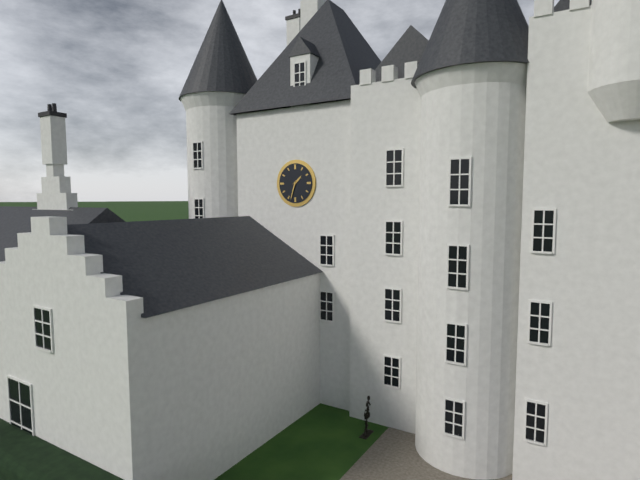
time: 1:33
